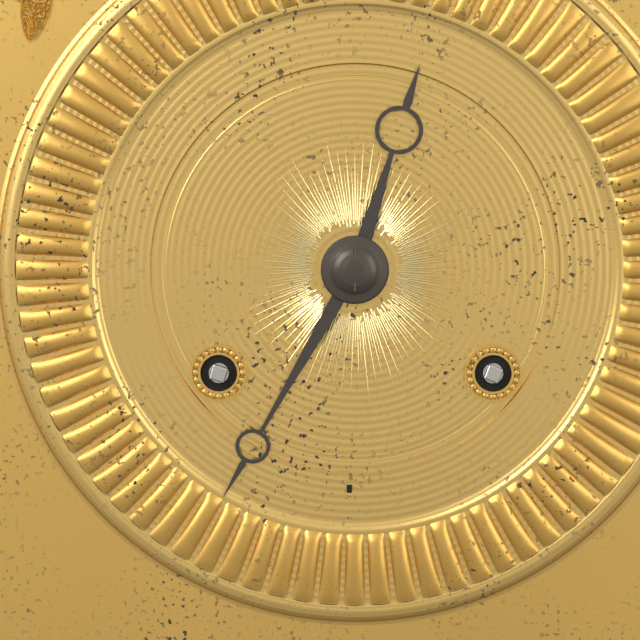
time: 12:35
